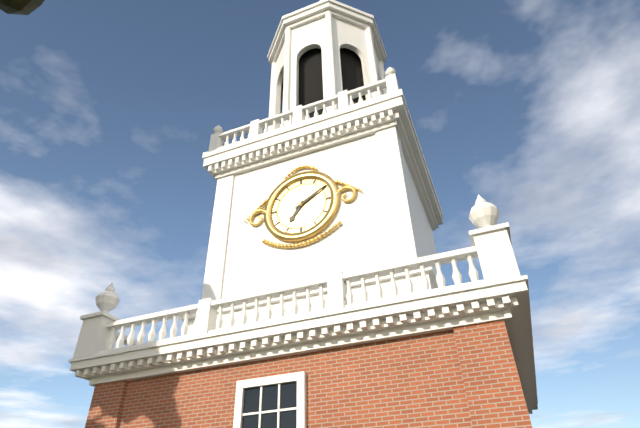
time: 7:10
